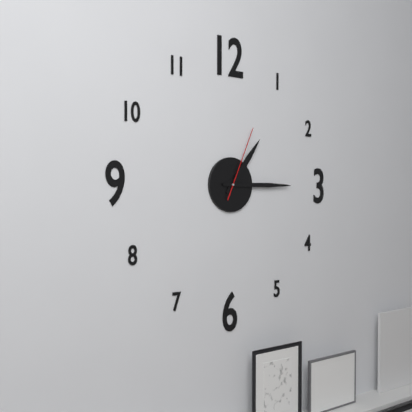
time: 1:15:04
